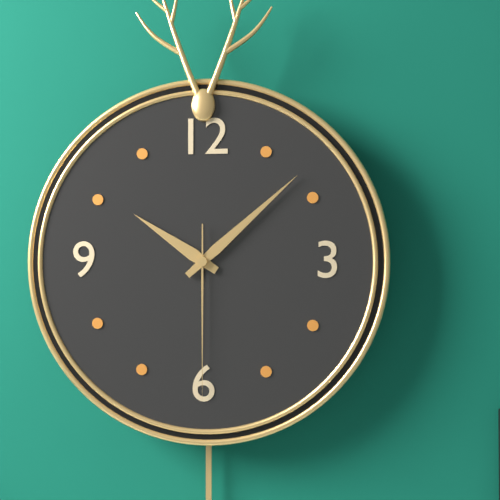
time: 10:08:30
